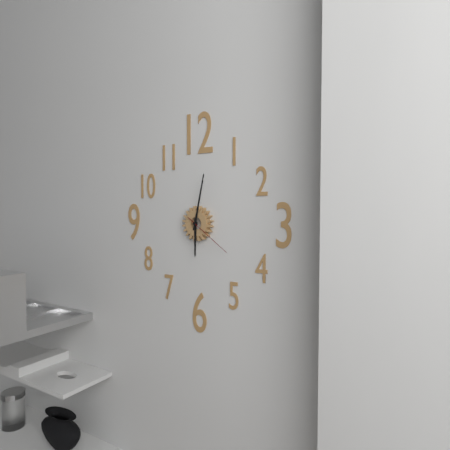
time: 6:02:21
